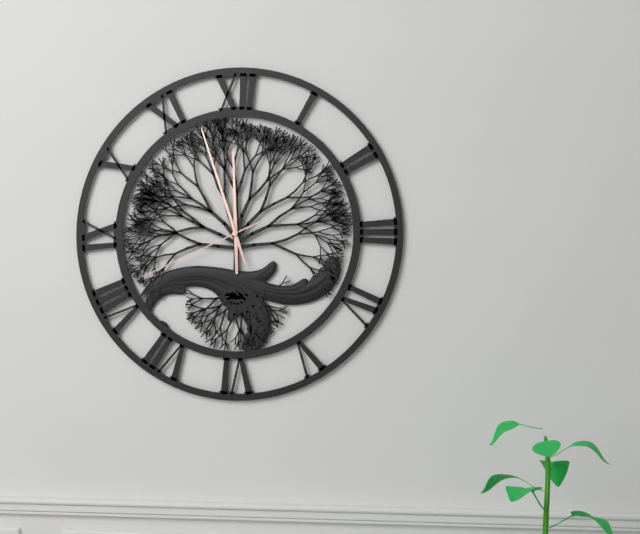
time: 11:57:41
